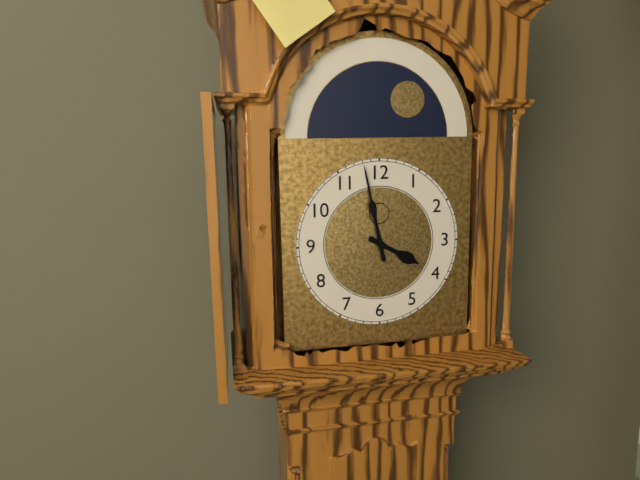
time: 3:58
